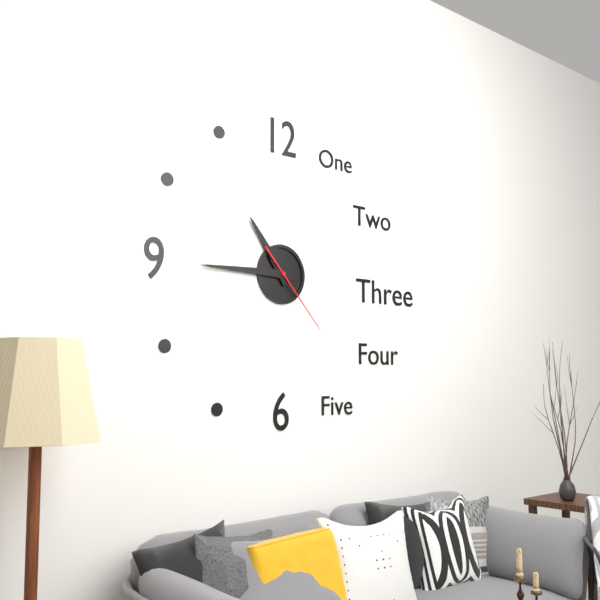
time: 10:45:23
